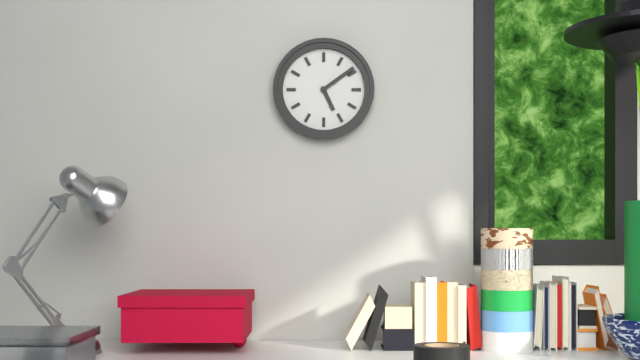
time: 5:09
